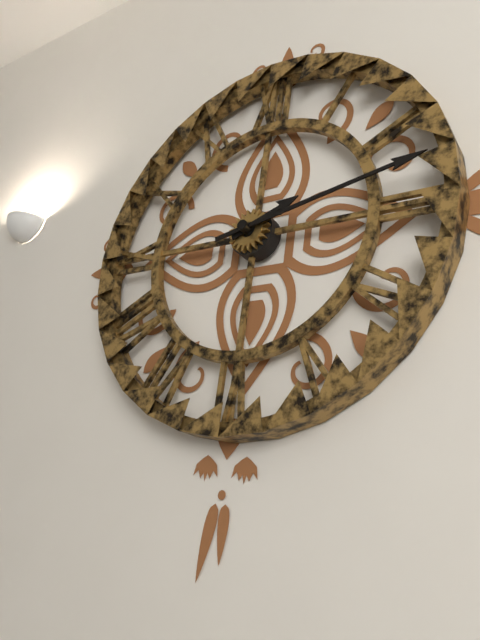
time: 2:13
